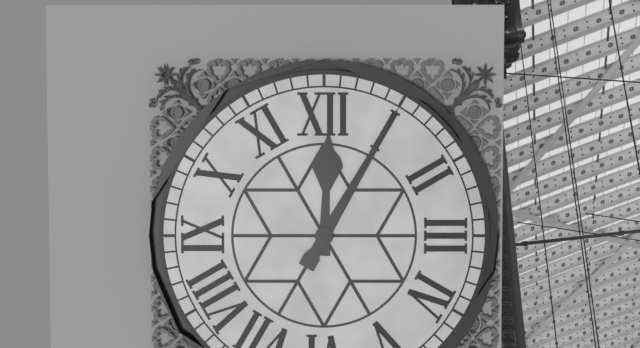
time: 12:05
